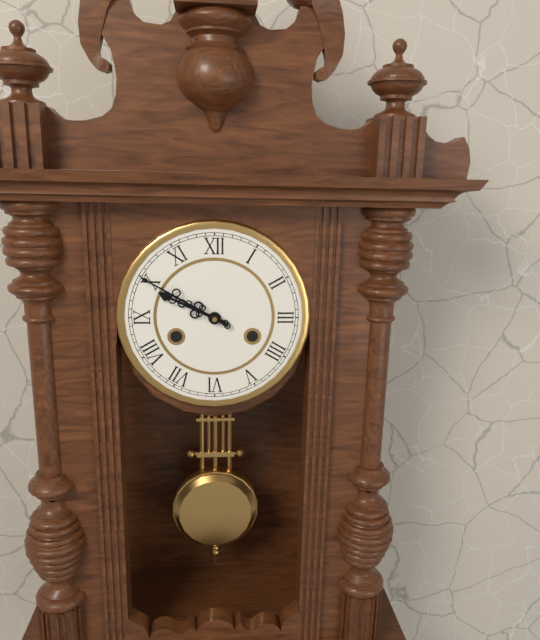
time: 9:50
